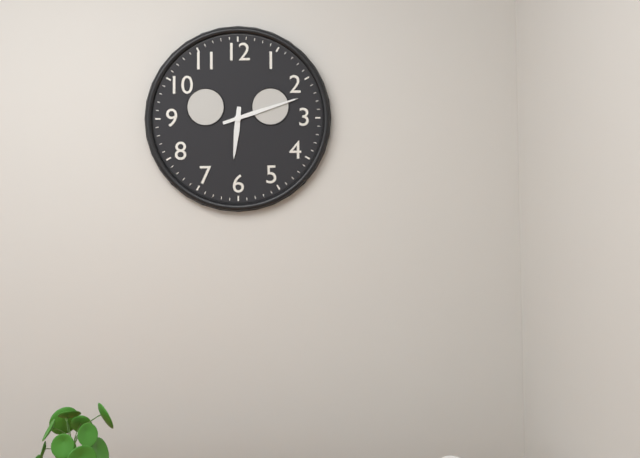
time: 6:12
